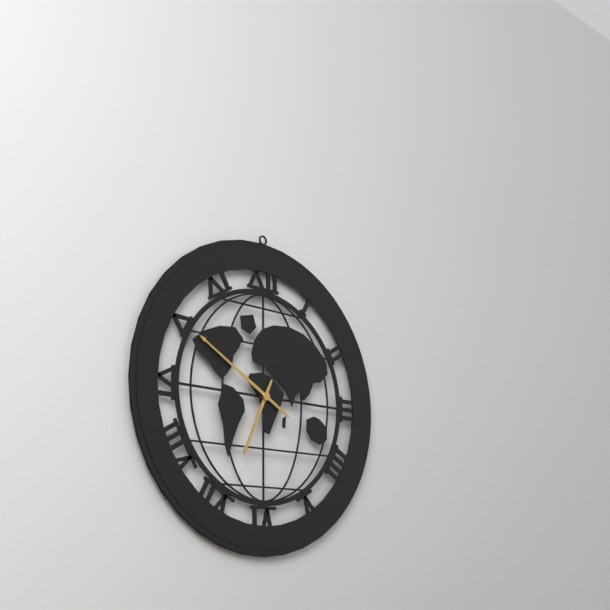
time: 6:50
